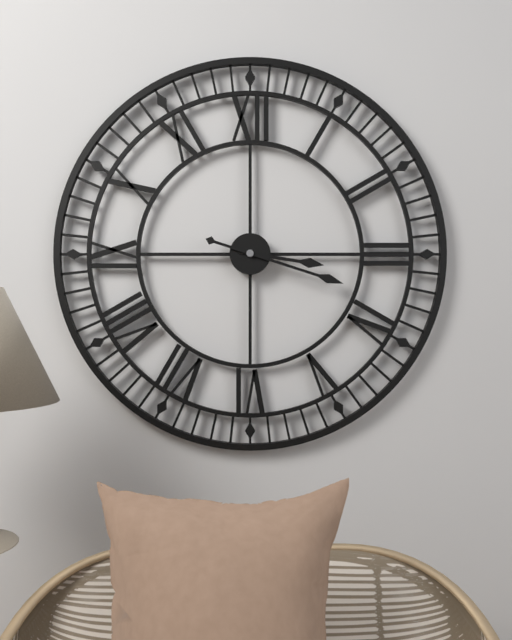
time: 3:18
